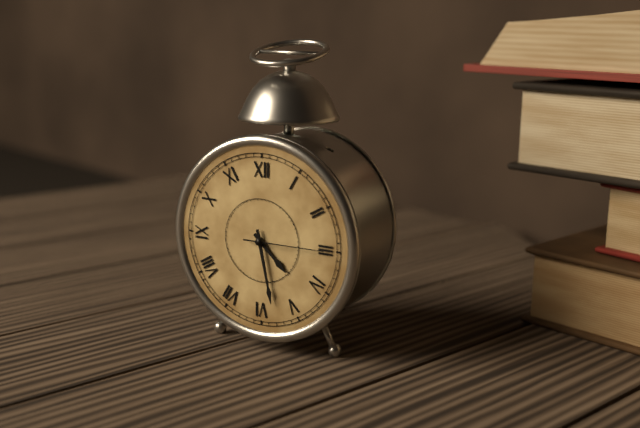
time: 4:28:15
